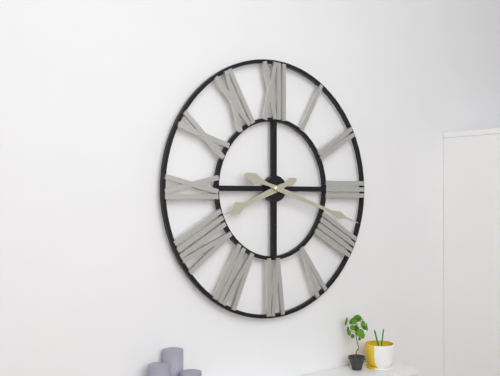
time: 8:18
